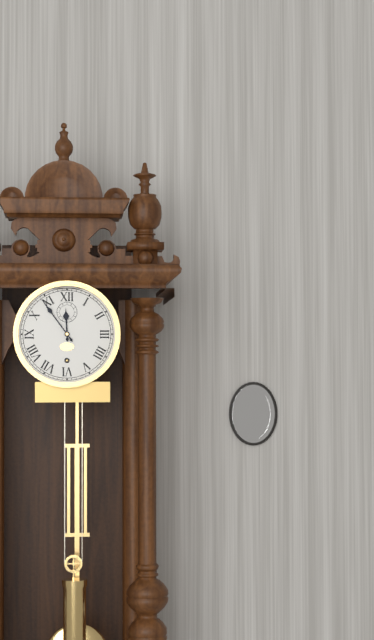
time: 11:54
